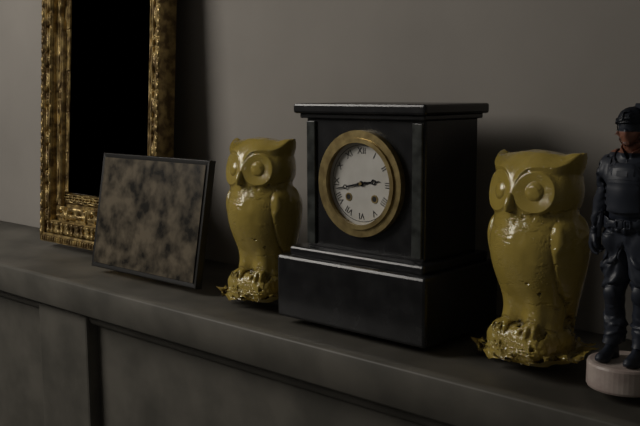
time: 2:43
